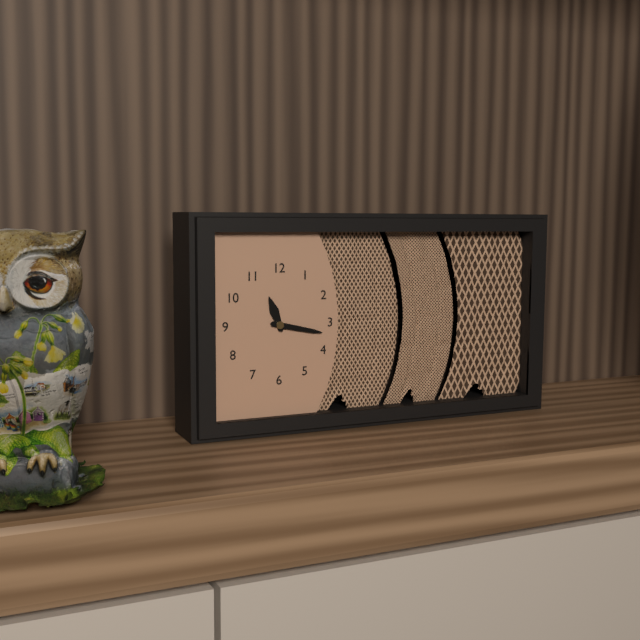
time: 11:17
